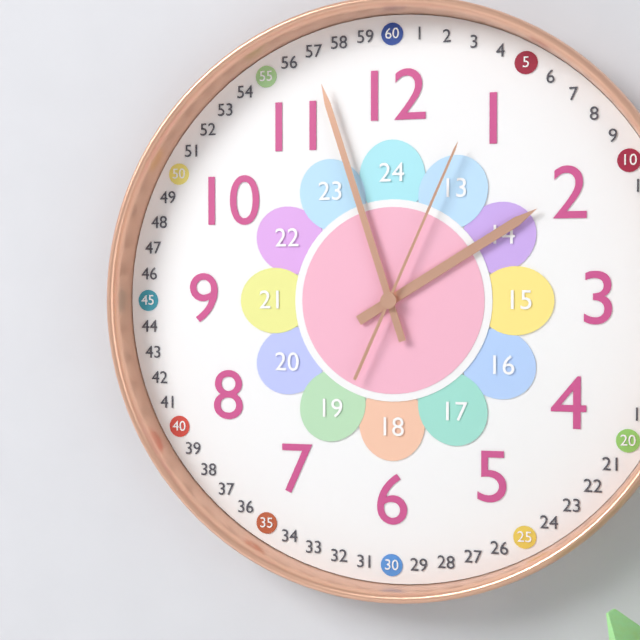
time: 1:57:04
